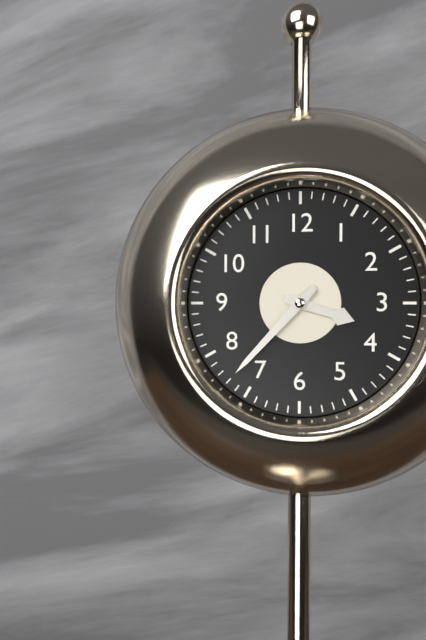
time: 3:37
